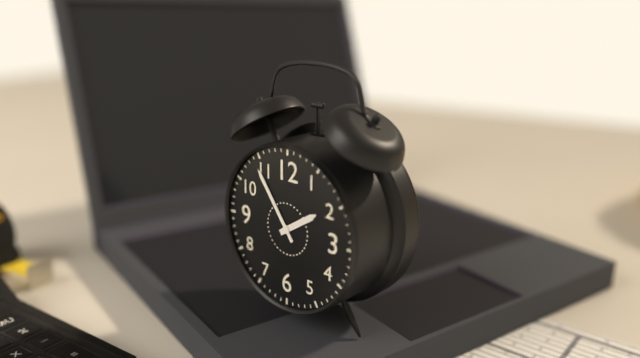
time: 1:54
